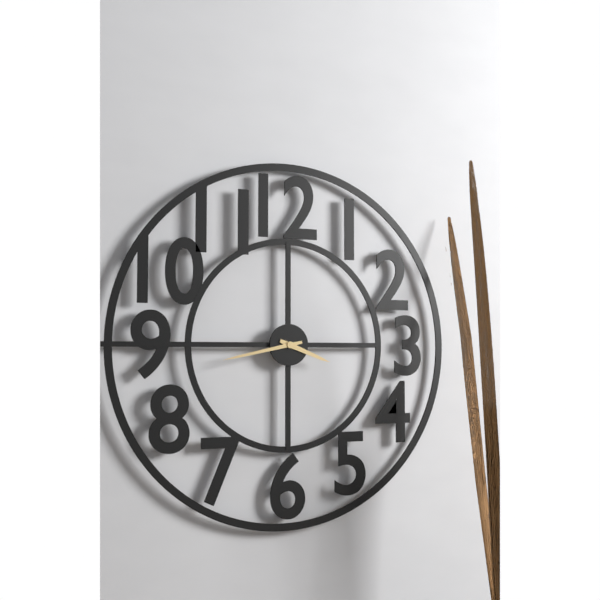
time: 3:43
